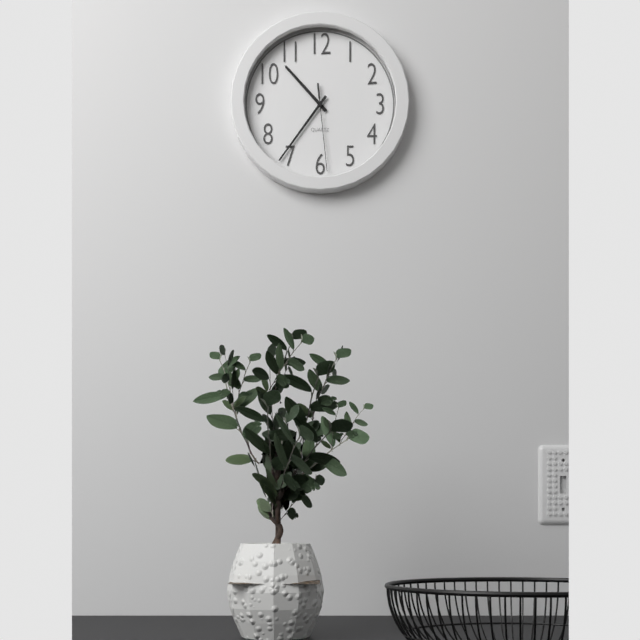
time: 10:36:29
